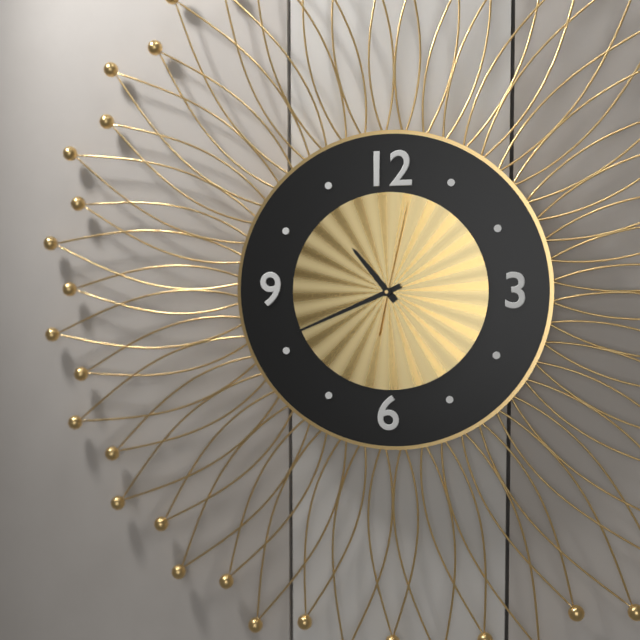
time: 10:41:02
